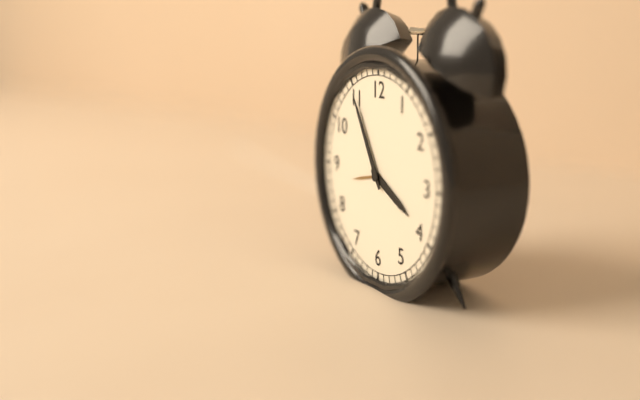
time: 3:55
